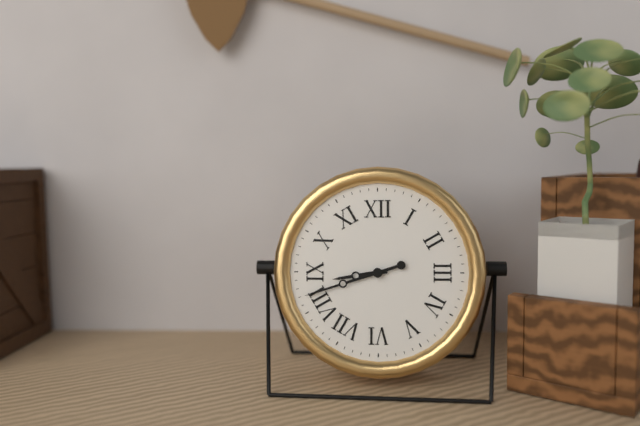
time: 8:42
